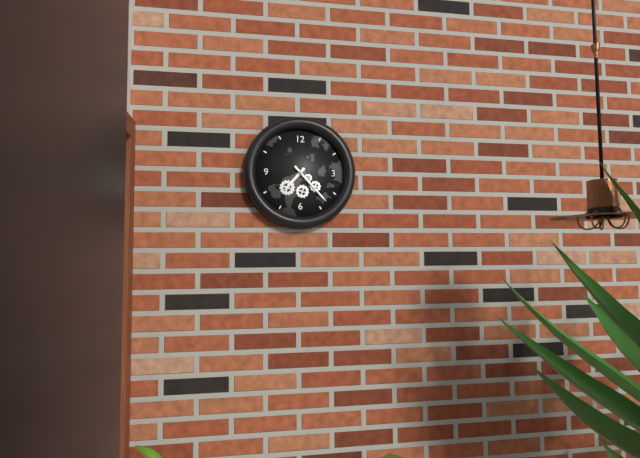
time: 7:23
